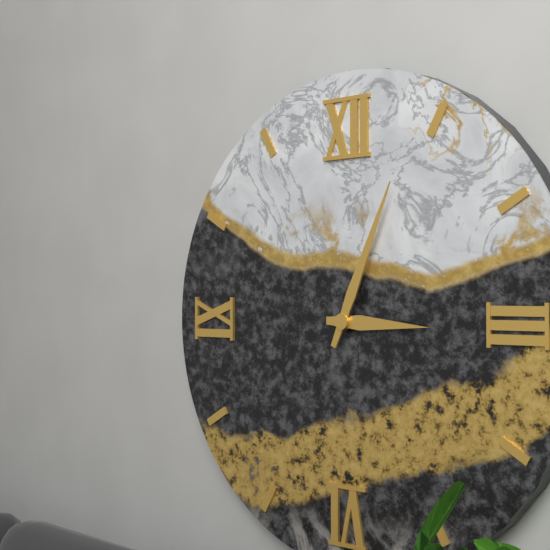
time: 3:04
